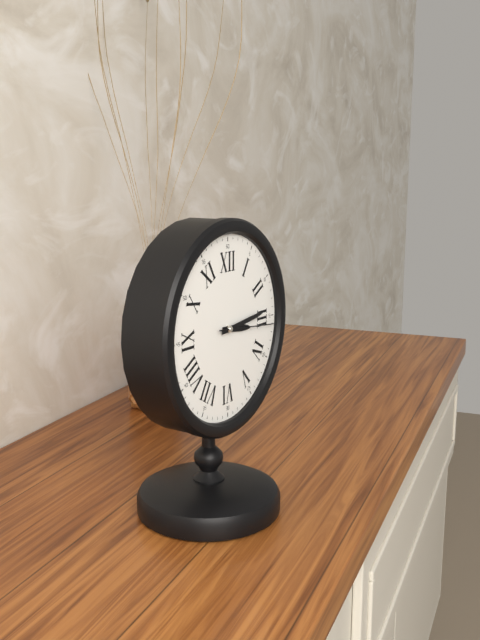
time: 3:14:16
